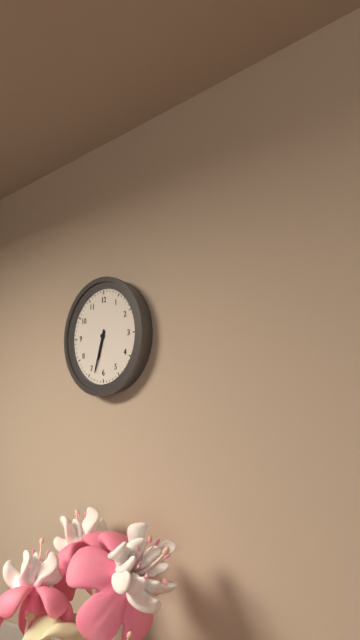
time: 6:33
